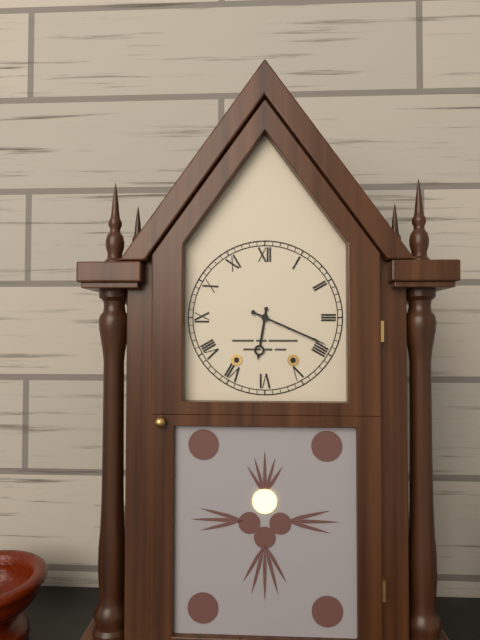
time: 6:19
